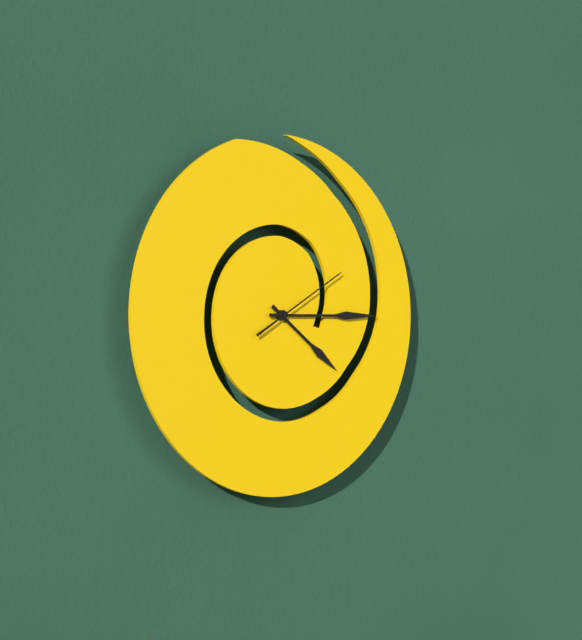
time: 4:15:10
